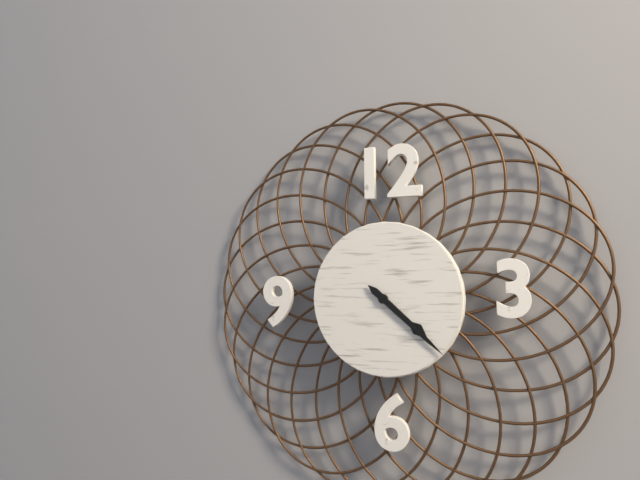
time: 4:22
